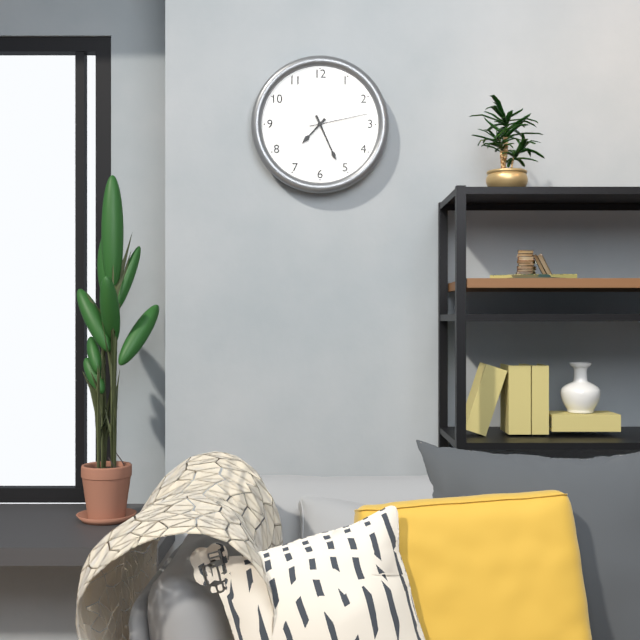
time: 7:26:13
